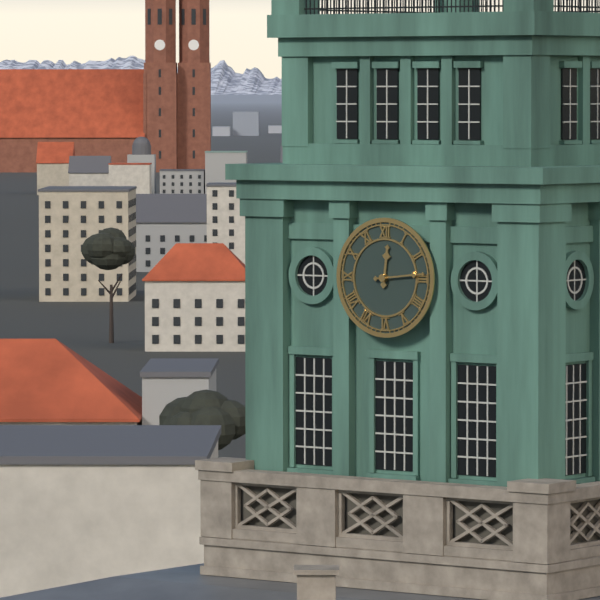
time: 12:14
